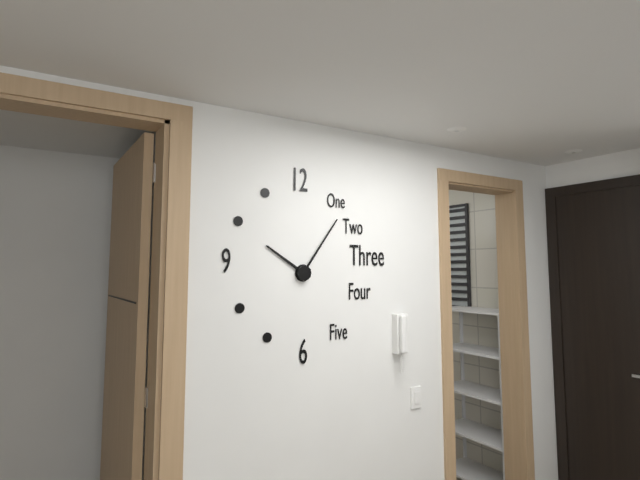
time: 10:06
